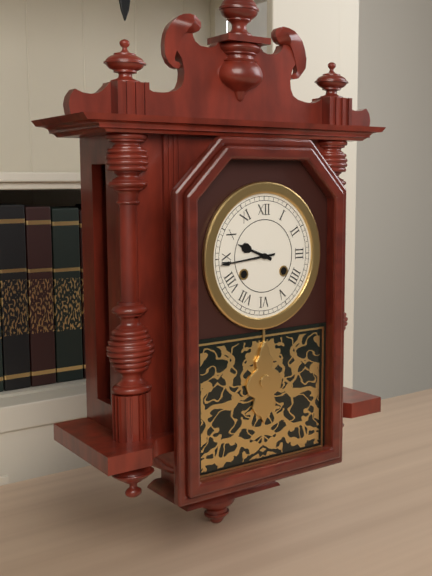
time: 9:44
